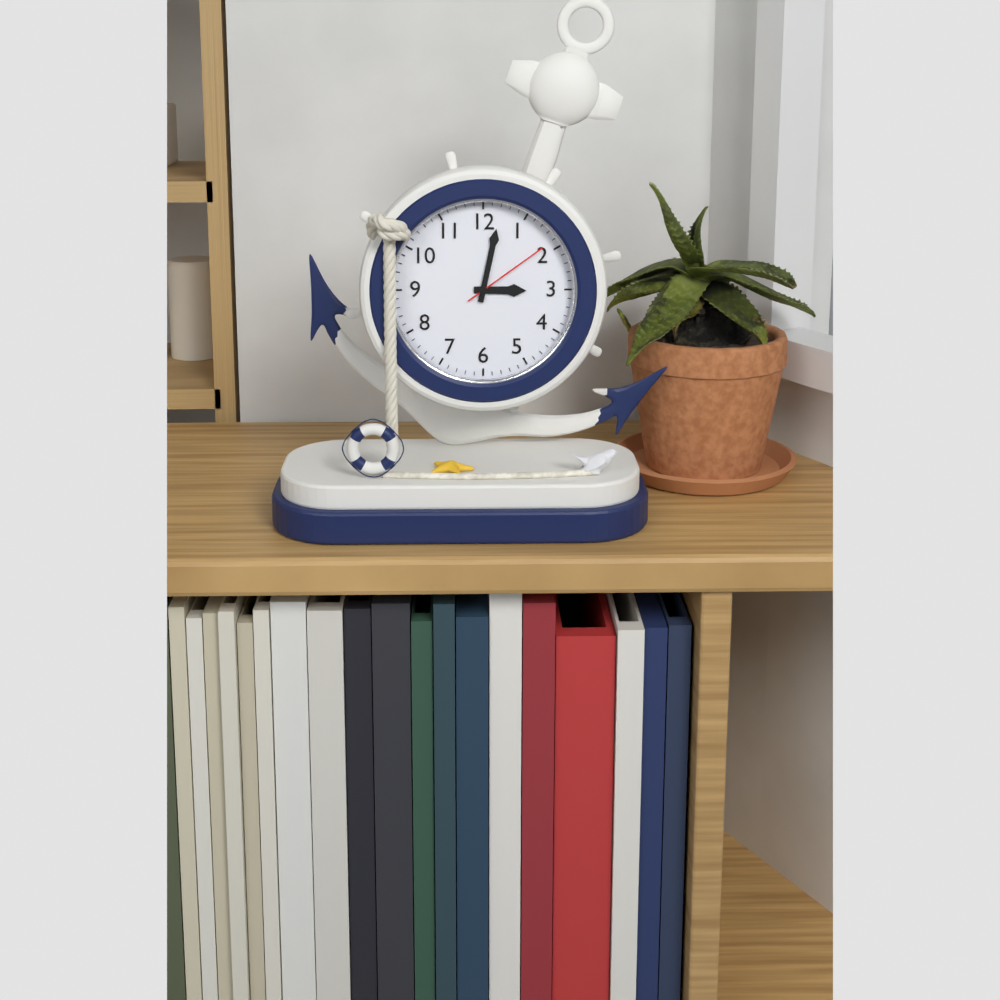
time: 3:02:09
